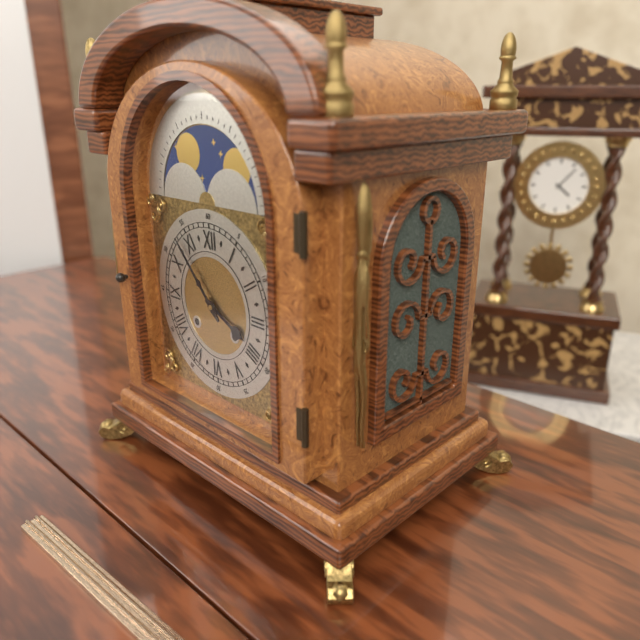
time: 3:53
